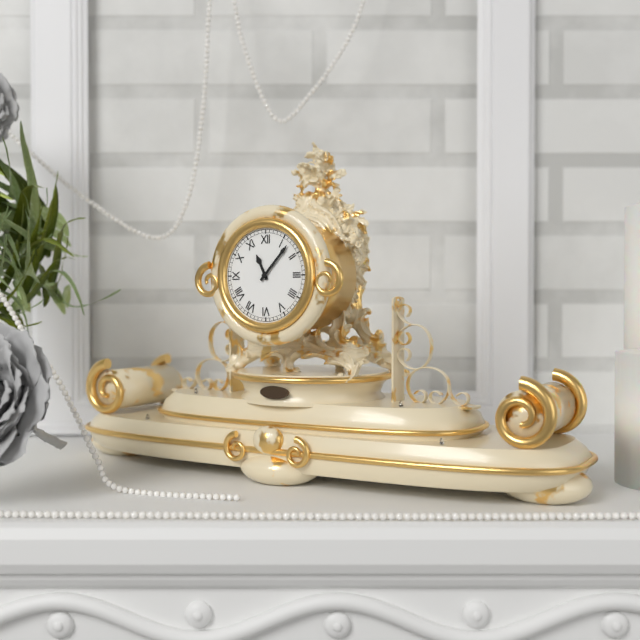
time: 11:07
